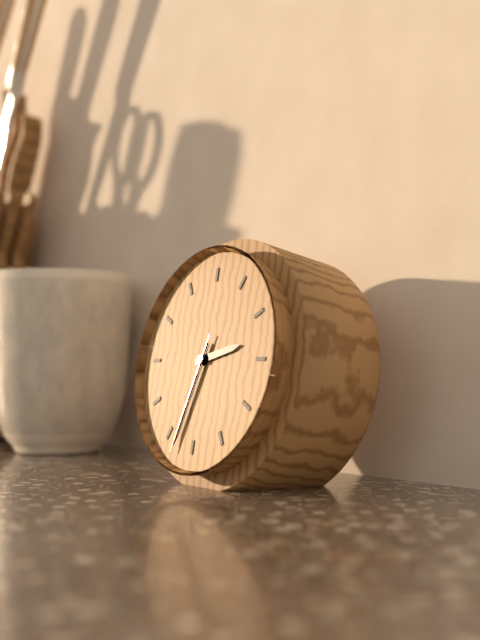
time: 2:33:33
